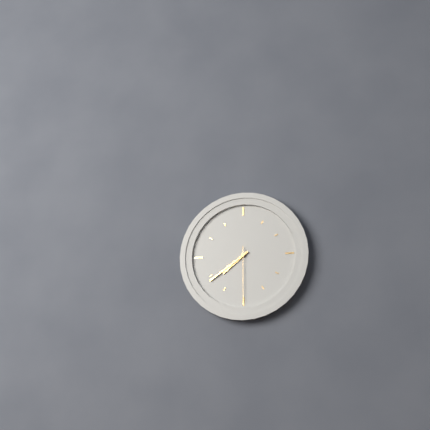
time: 7:39:30
